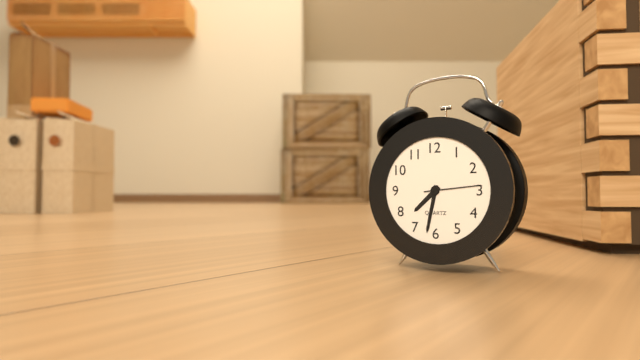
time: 7:32:14
